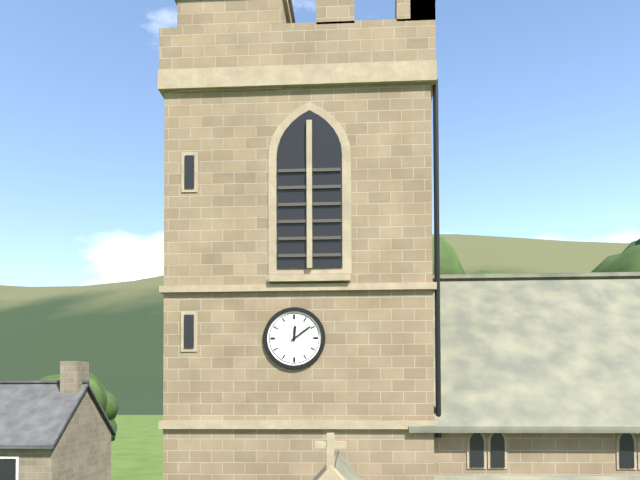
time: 12:09
